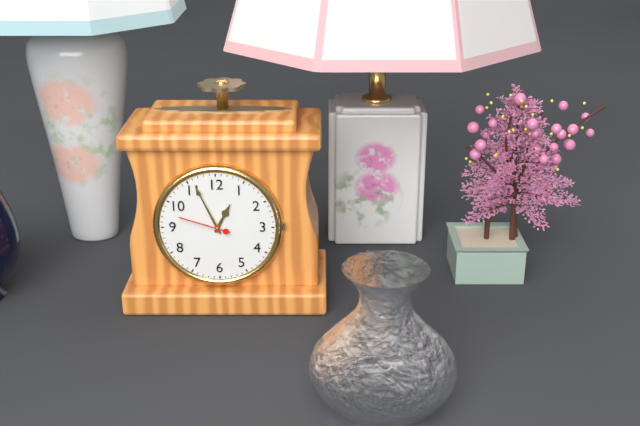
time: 12:56:48
